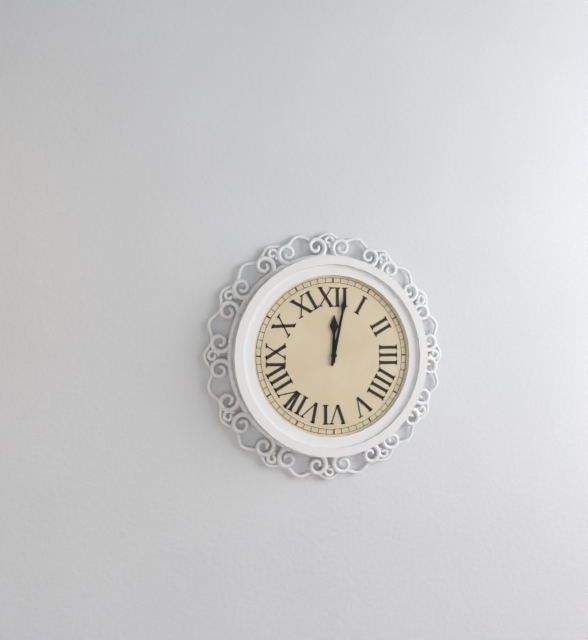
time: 12:02
